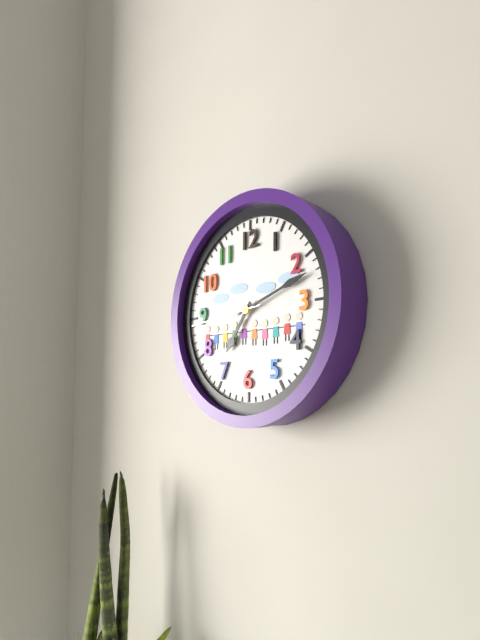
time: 7:12:44
